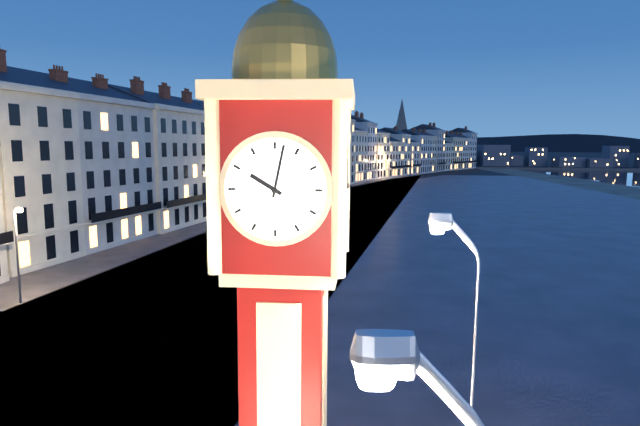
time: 10:02
